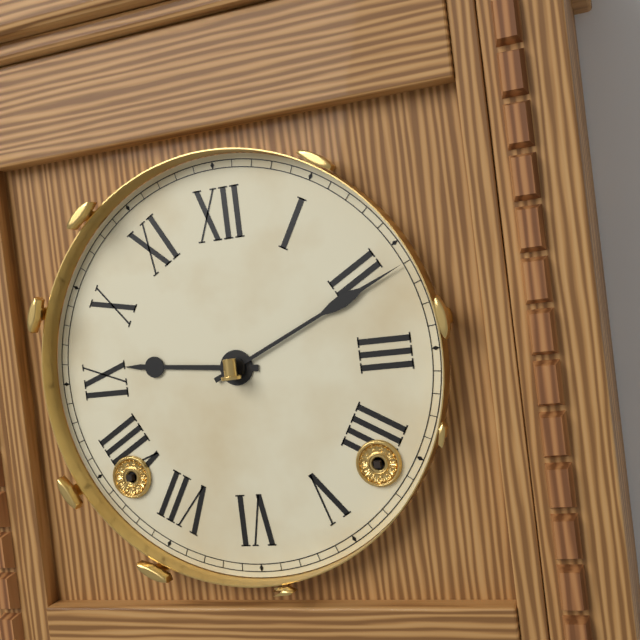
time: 9:11
